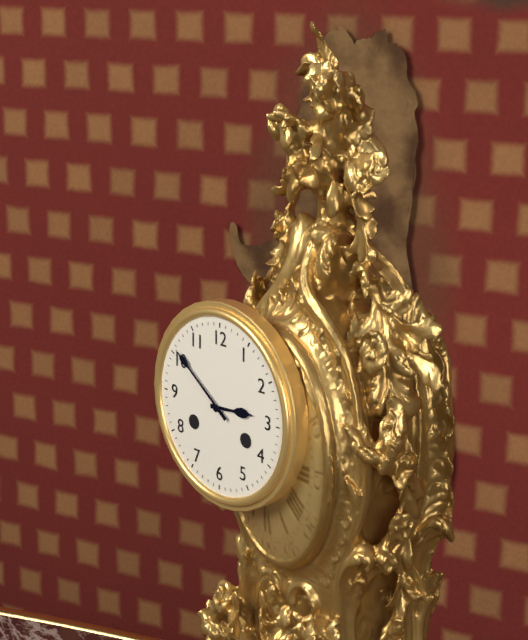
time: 2:51
